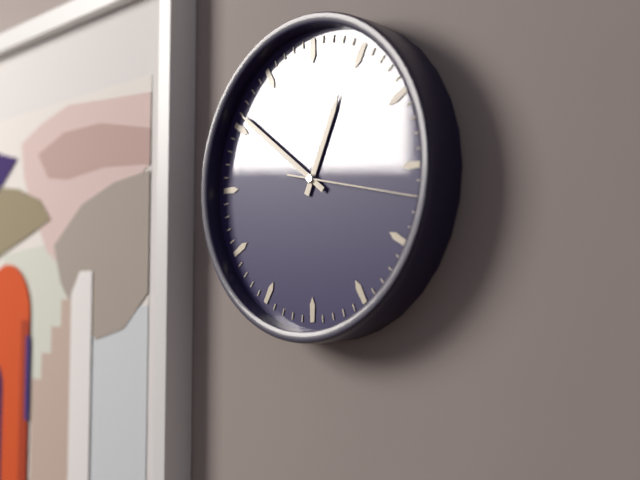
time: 12:51:17
